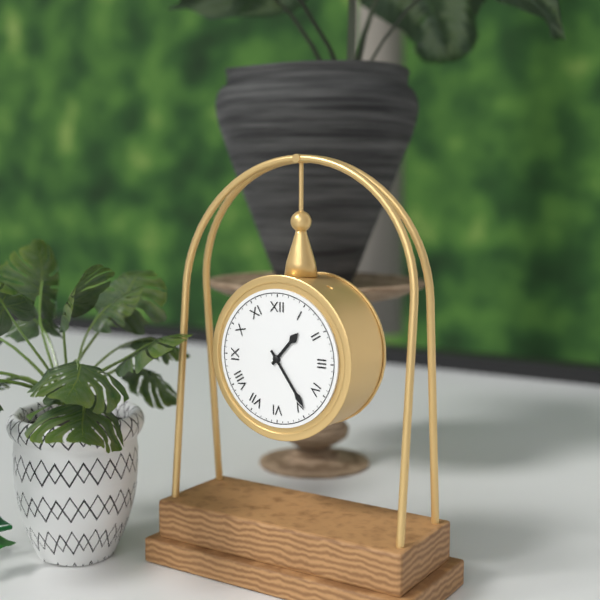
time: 1:24
